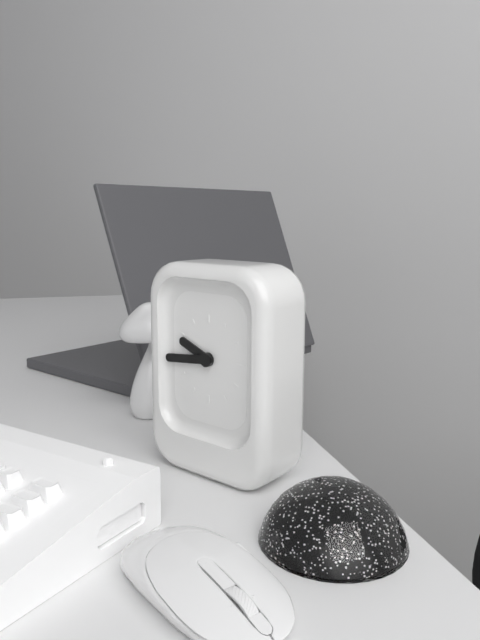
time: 9:44
